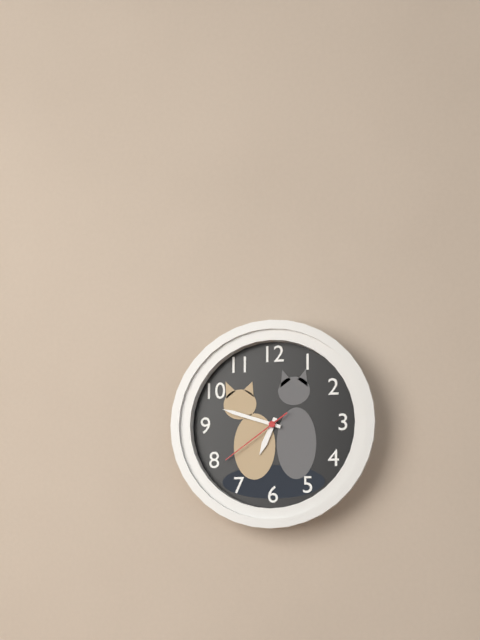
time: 6:48:39
